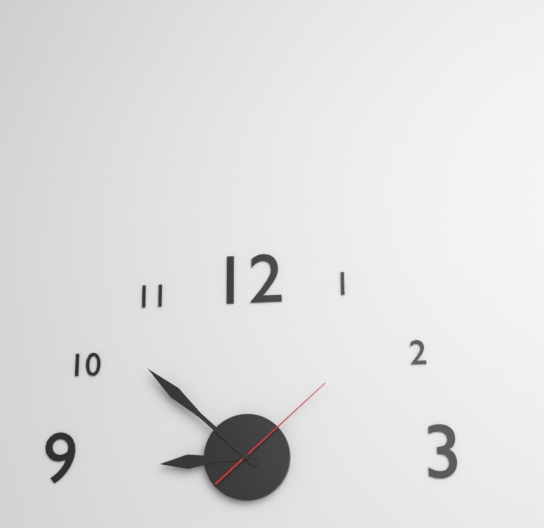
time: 8:52:08
